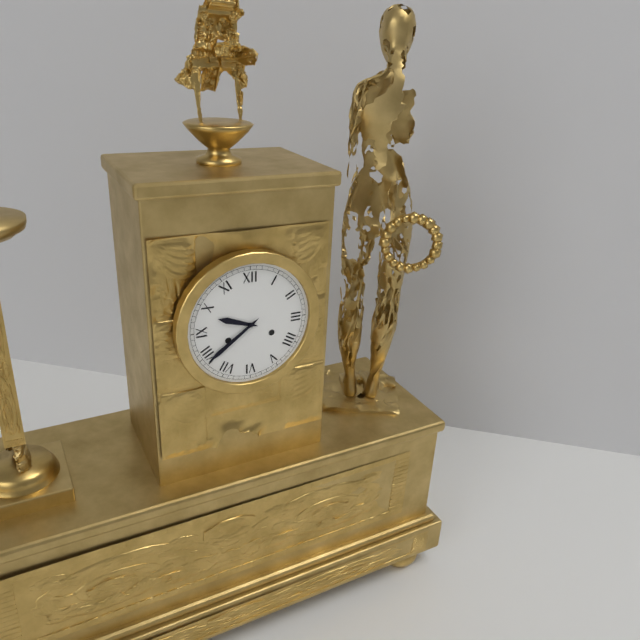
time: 9:39
